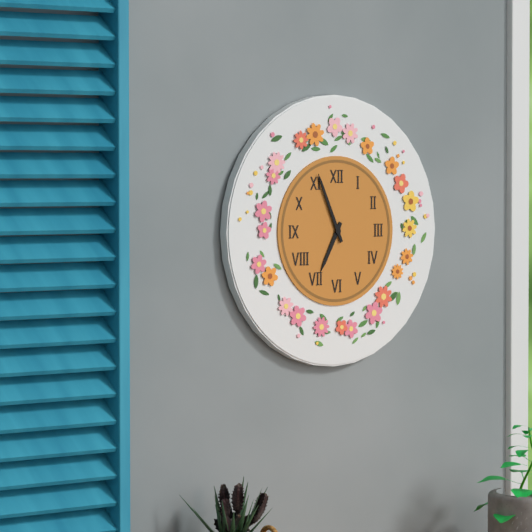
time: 6:56
